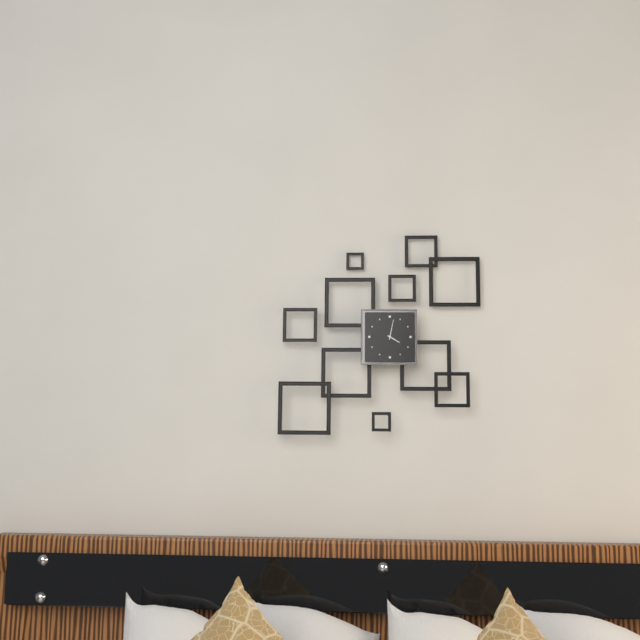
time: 4:02
